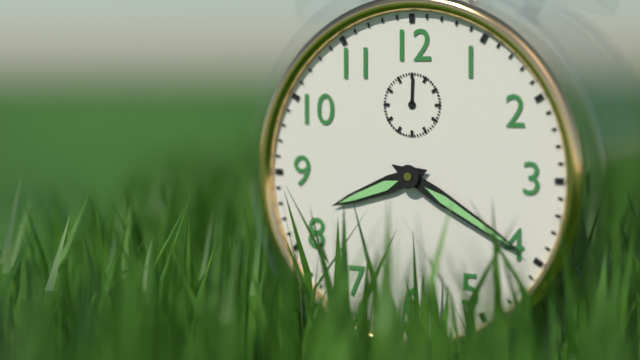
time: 8:20
